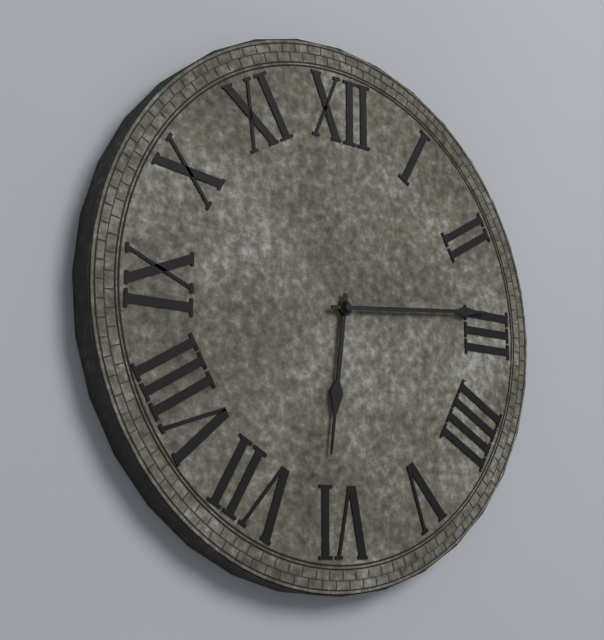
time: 6:14
